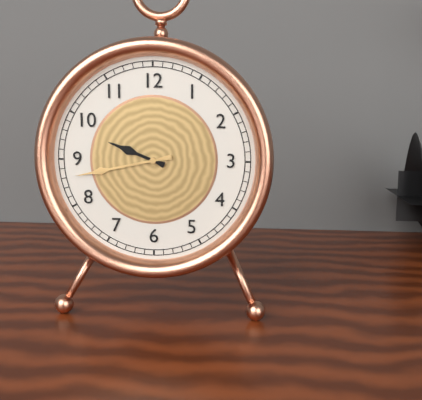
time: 9:43
